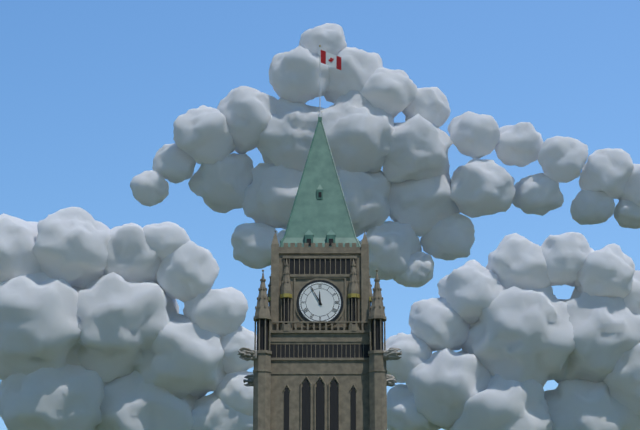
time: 11:55
